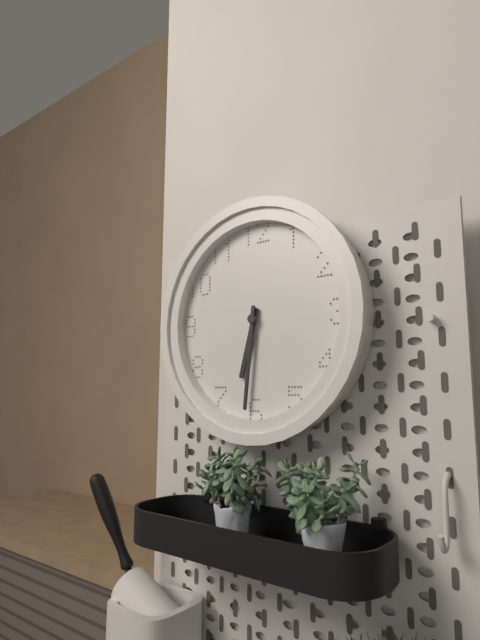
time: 6:31
